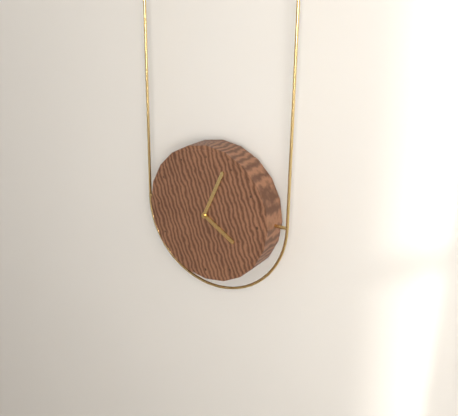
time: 4:04
